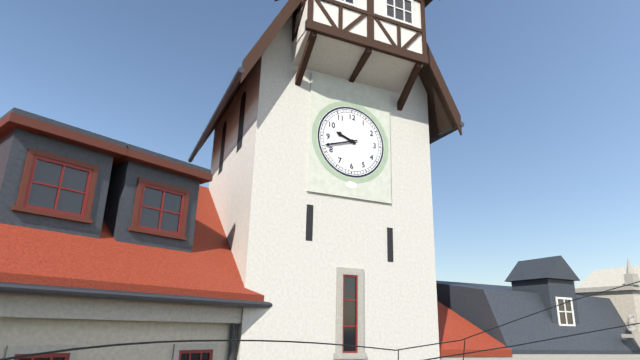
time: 9:42
